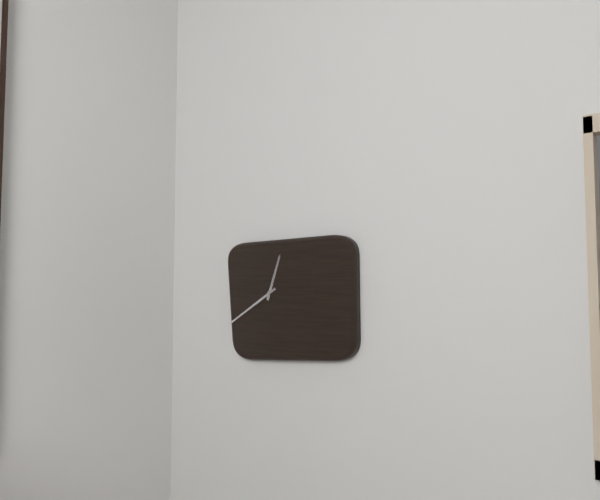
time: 12:40
